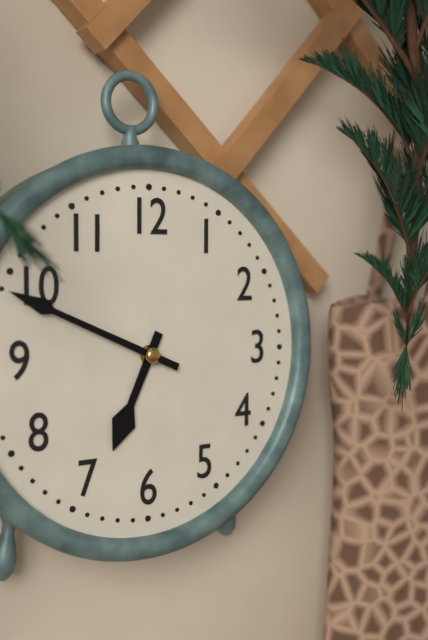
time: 6:49
